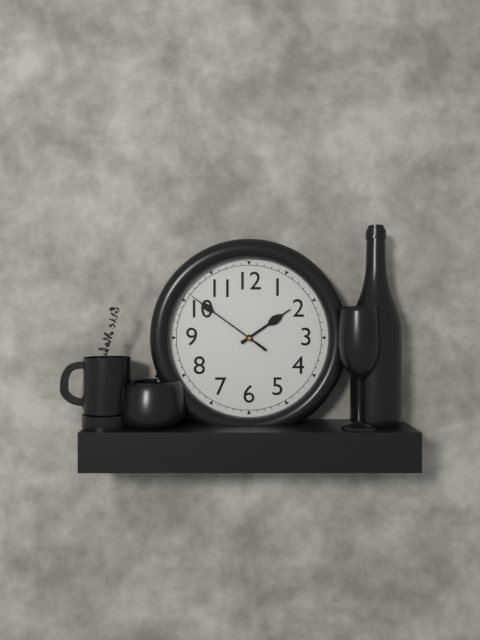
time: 1:51
